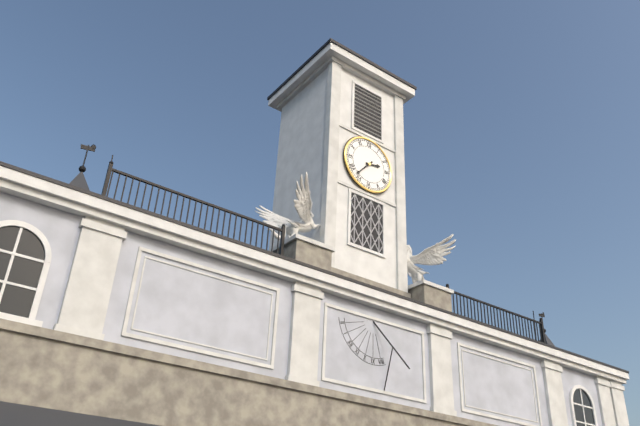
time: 2:37
